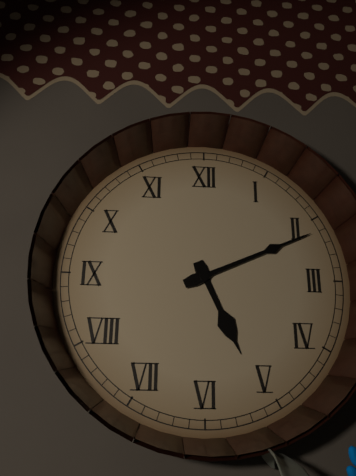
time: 5:11
